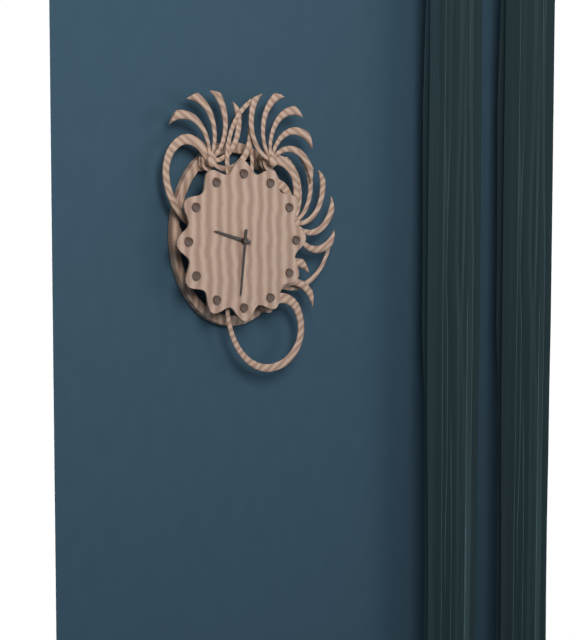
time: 9:31
